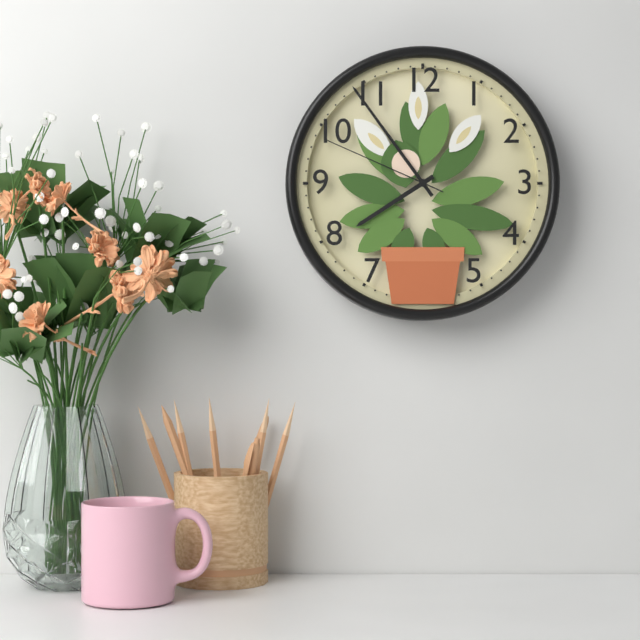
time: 7:54:49
